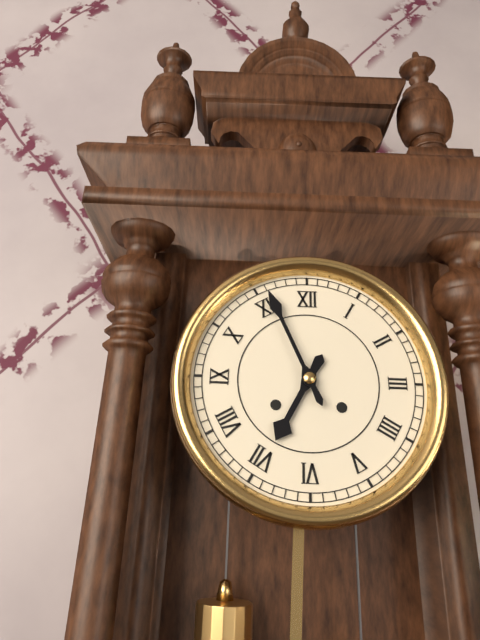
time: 6:56
